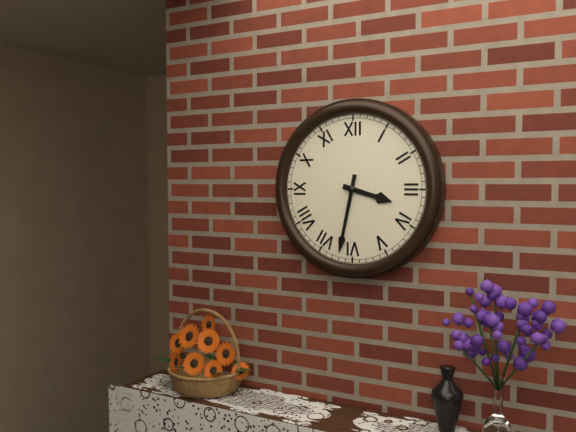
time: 3:32
